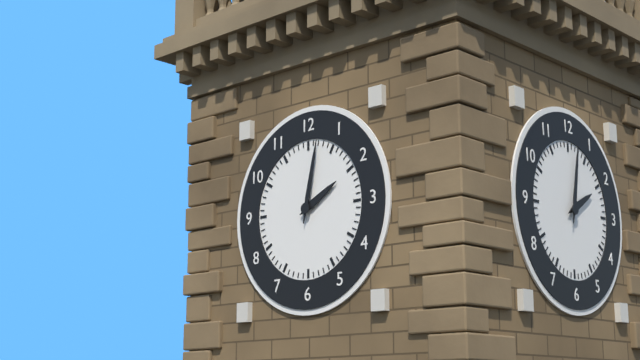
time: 2:02
